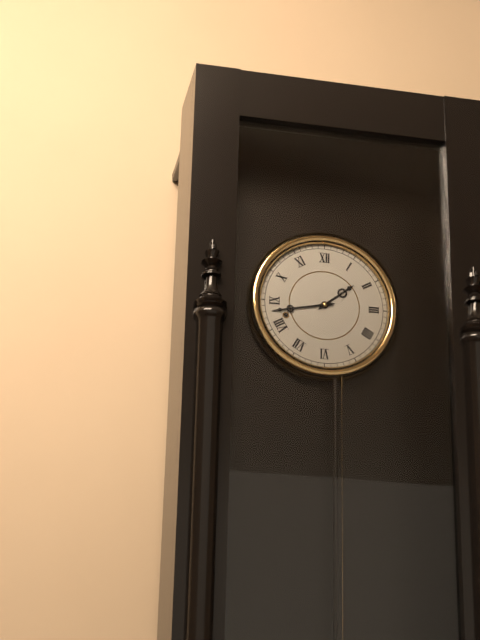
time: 1:43
